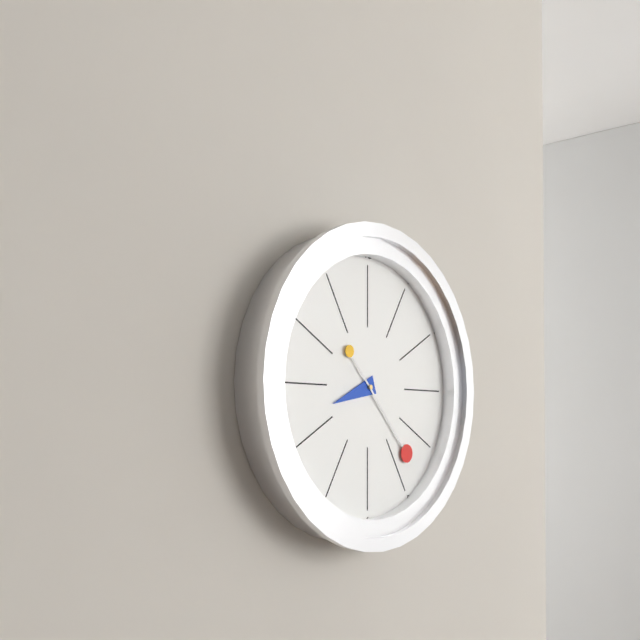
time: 8:23
